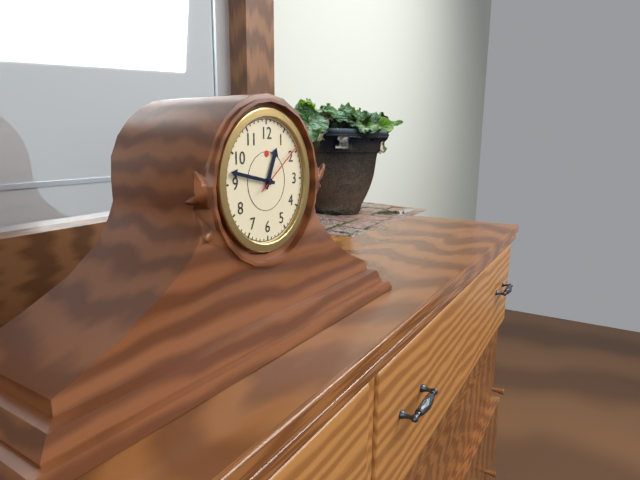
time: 12:47:09
